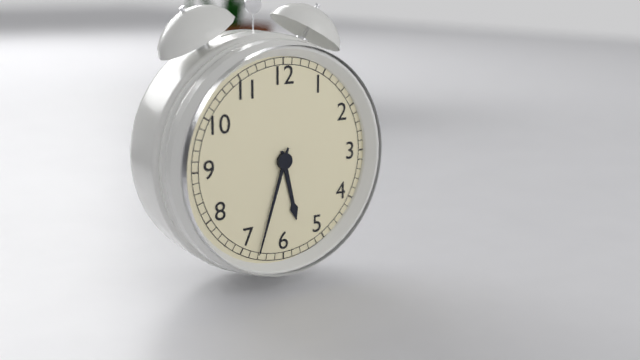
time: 5:33
